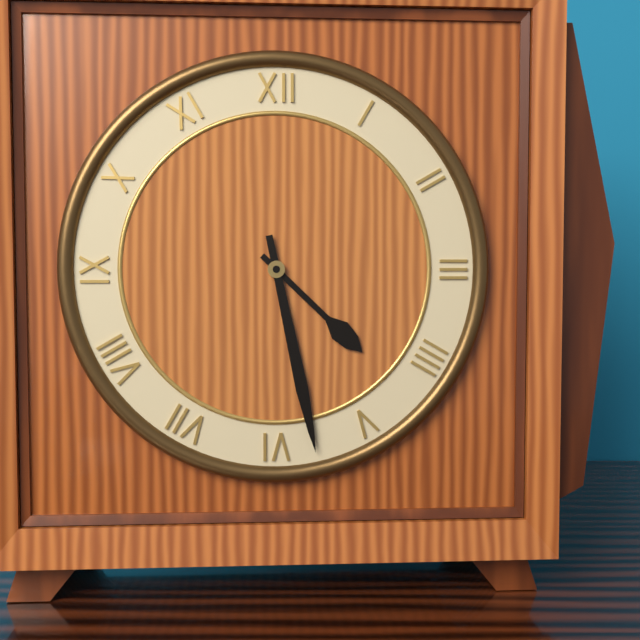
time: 4:28
